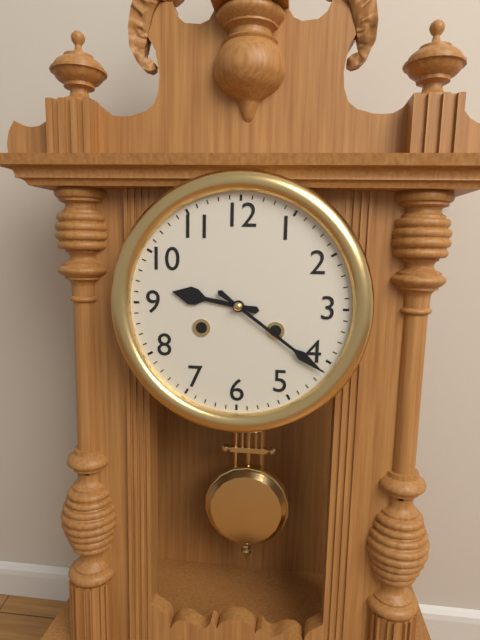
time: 9:21
